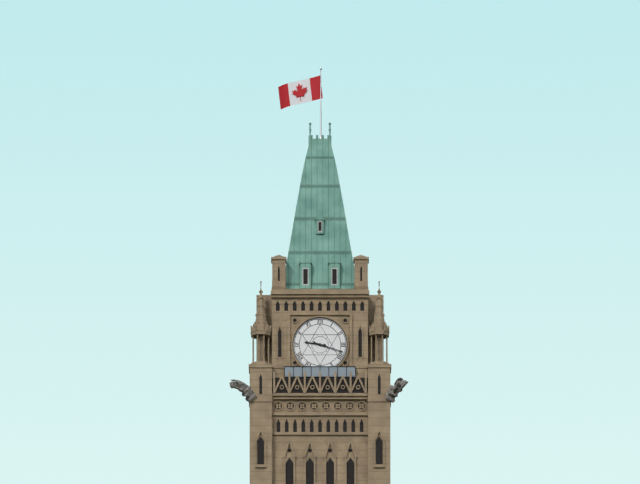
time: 9:18
